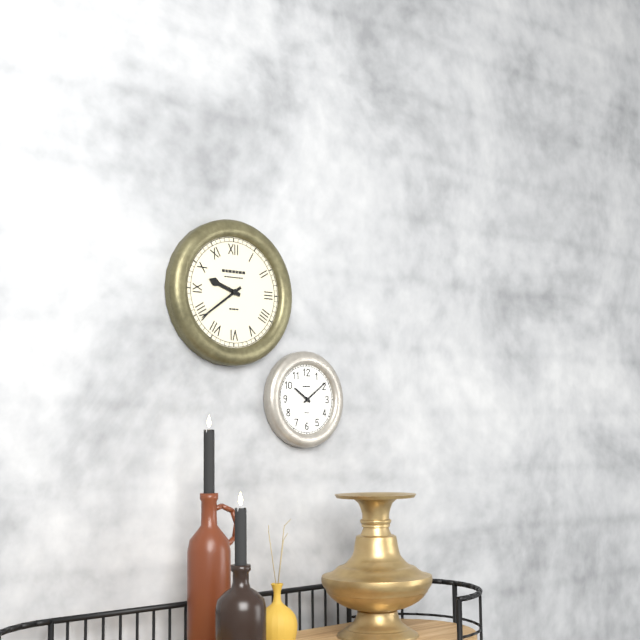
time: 9:39
